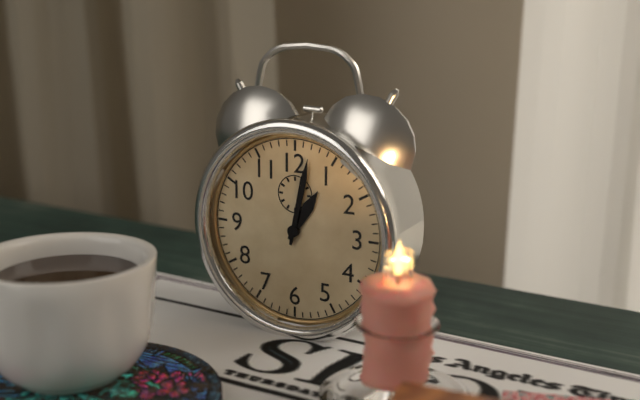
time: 1:02
